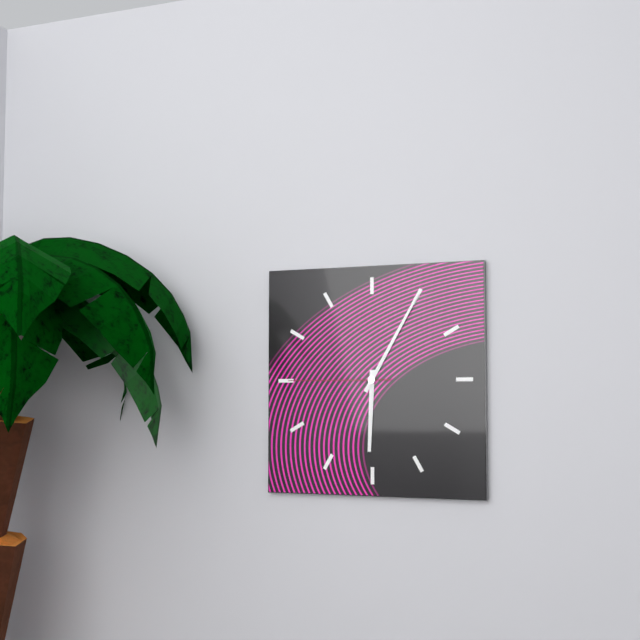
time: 6:05:45
